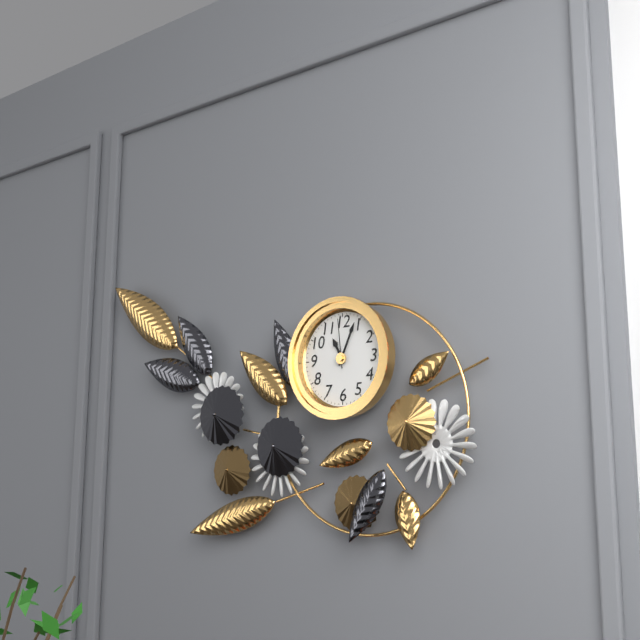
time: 11:04
